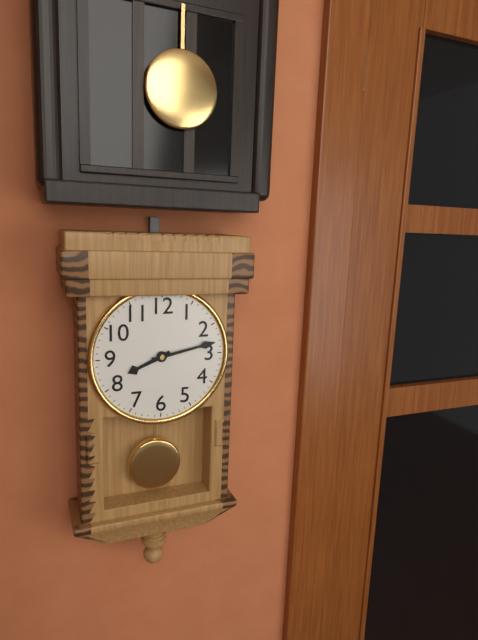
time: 8:13
